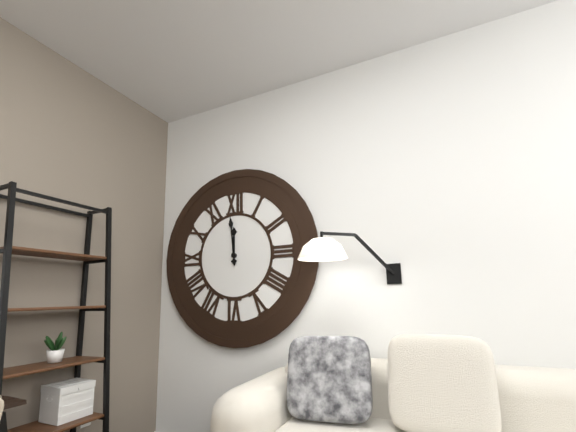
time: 11:59
